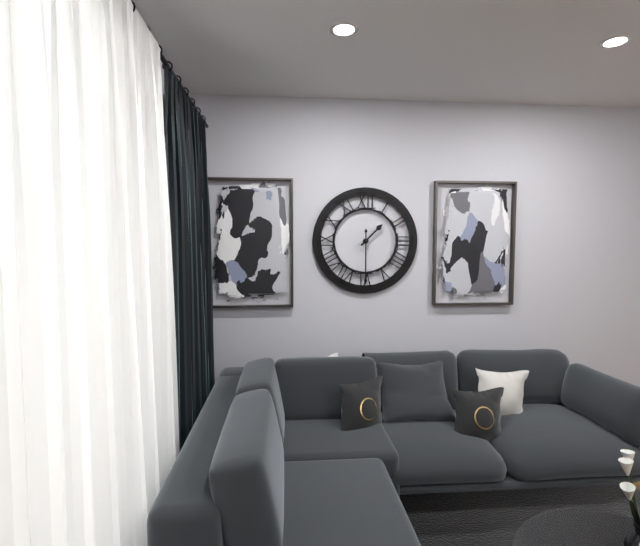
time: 1:30
